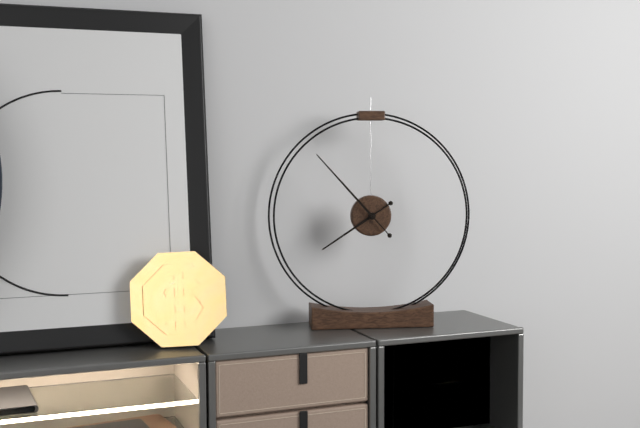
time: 7:53
